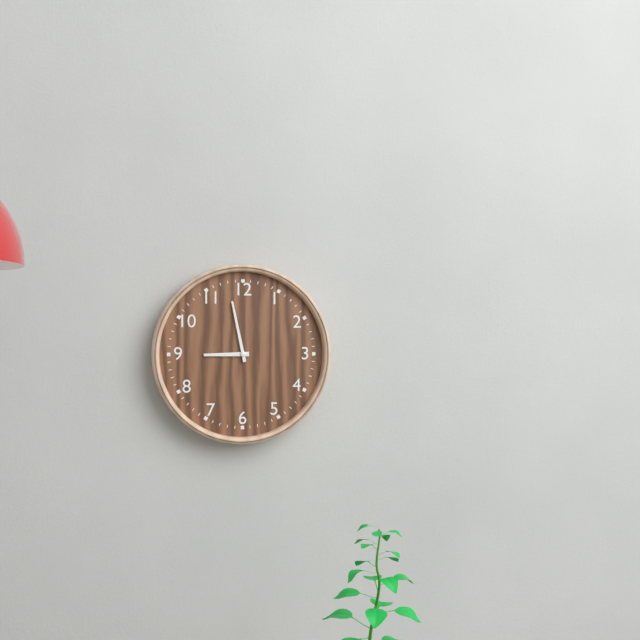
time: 8:58
